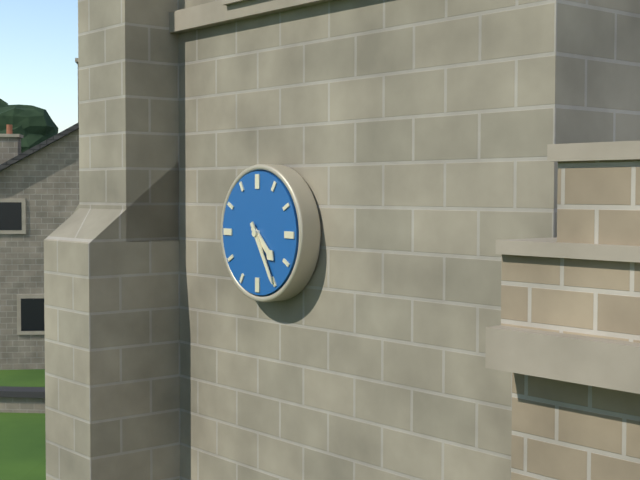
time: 4:25
